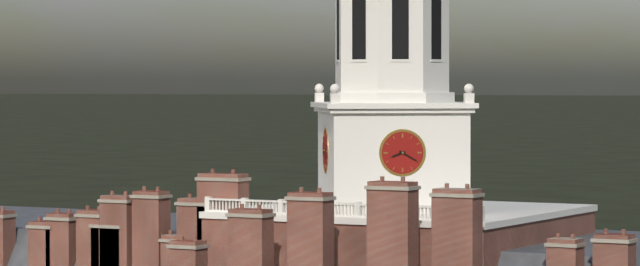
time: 8:20
